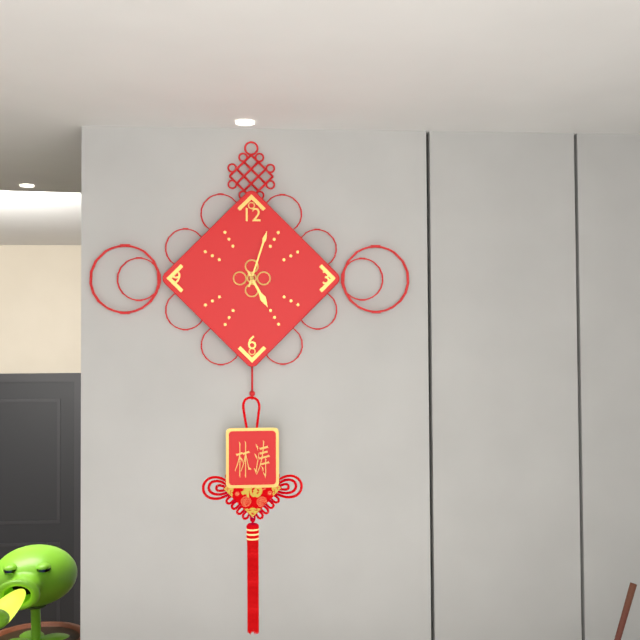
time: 5:03
